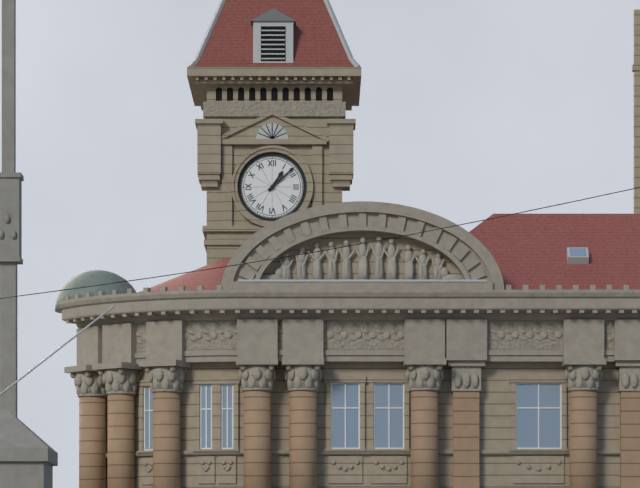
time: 1:08
